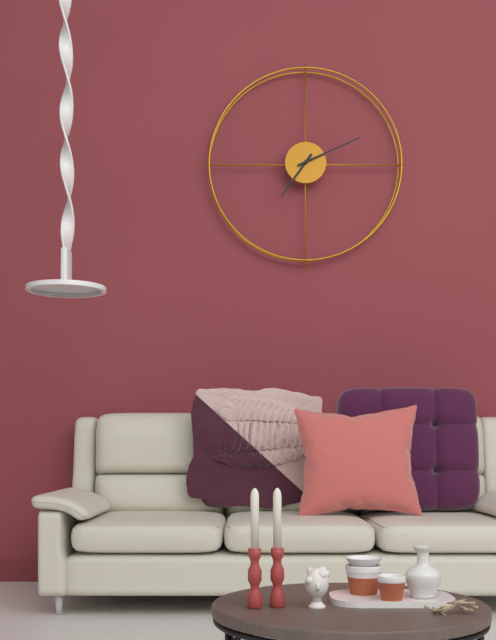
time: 7:11
